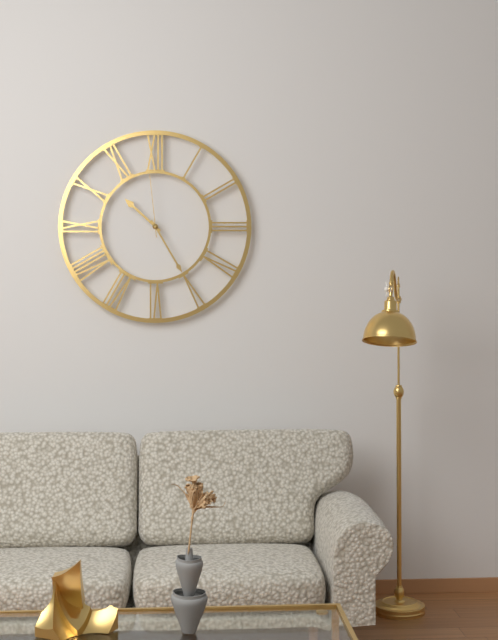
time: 10:25:59
